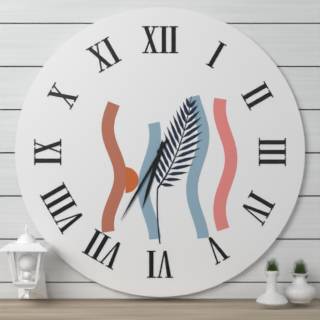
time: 6:35
